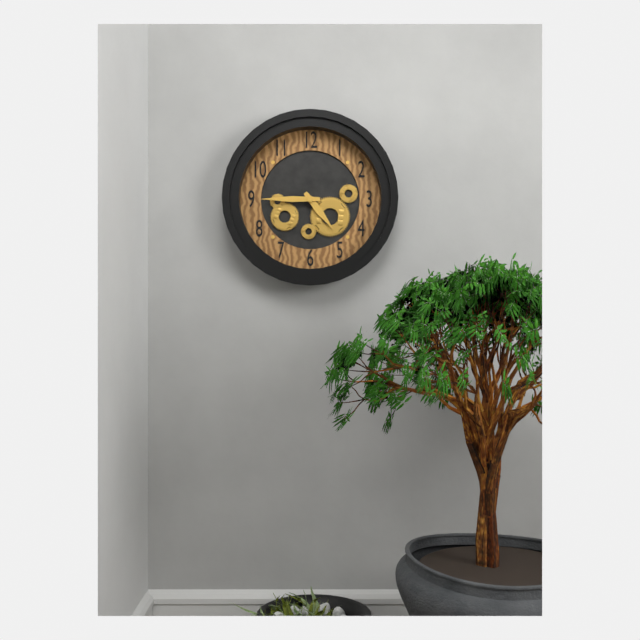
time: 4:45
